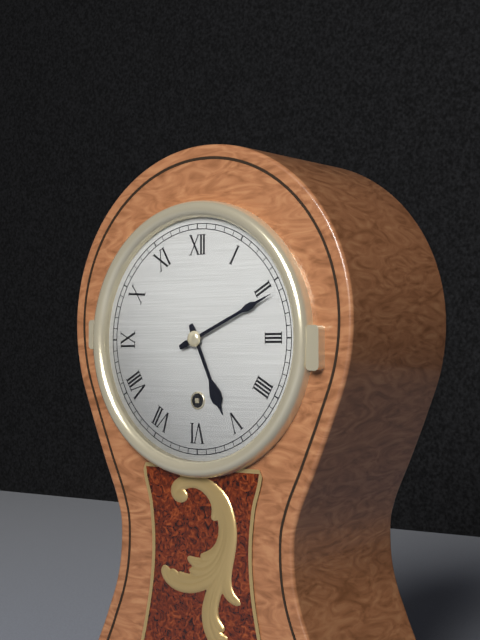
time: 5:11
